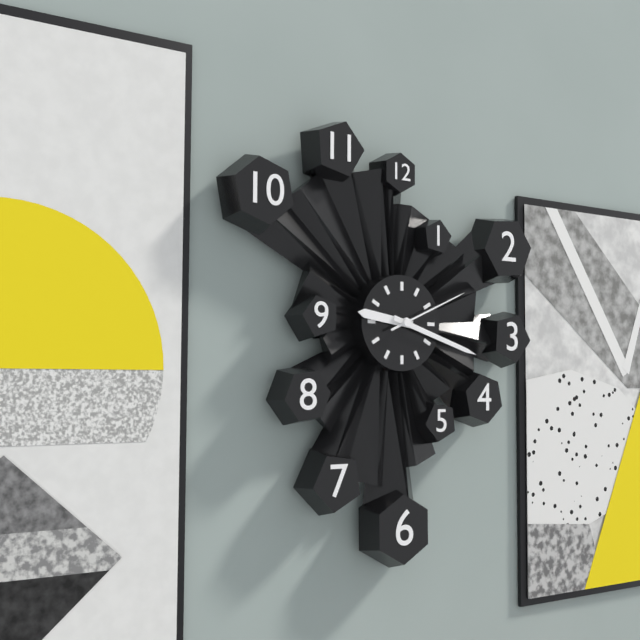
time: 9:18:11
